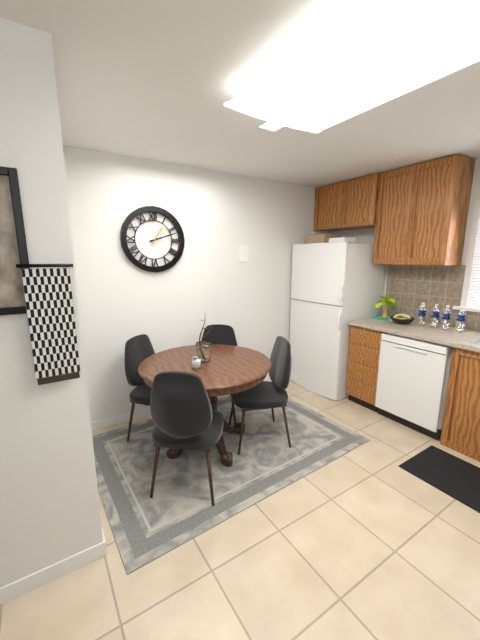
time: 1:12
